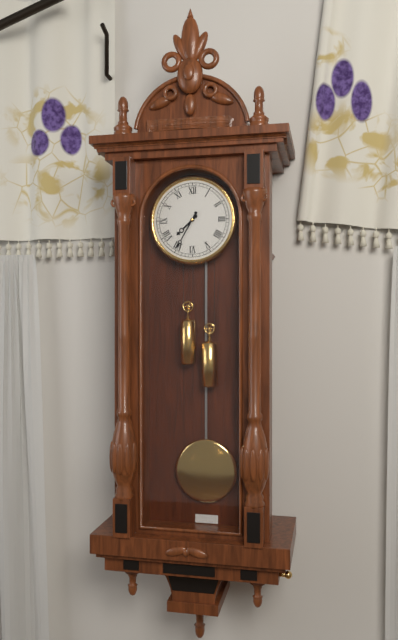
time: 7:35
